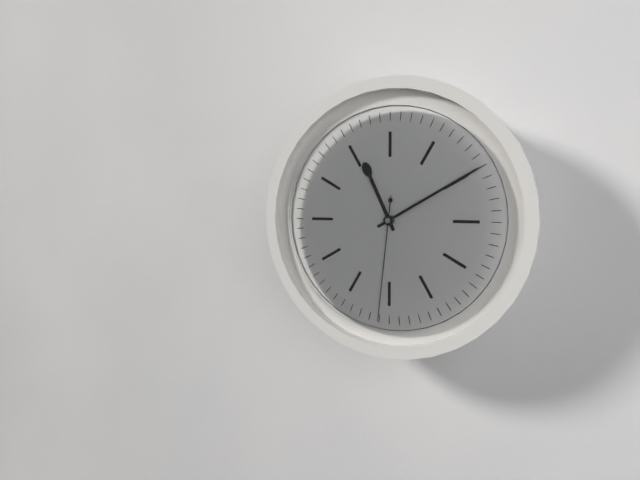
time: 11:10:31
